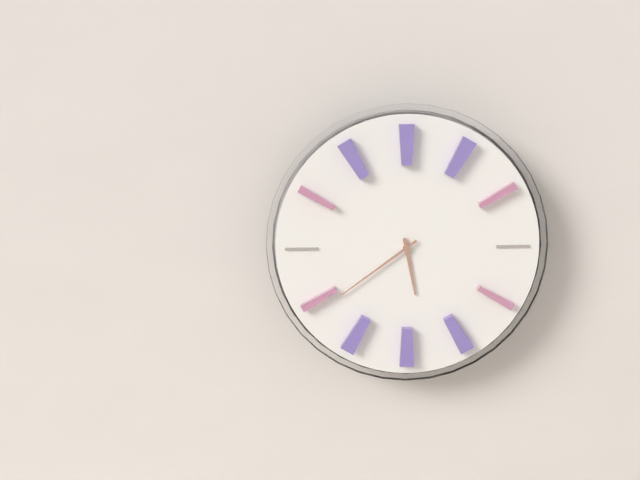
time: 5:39
